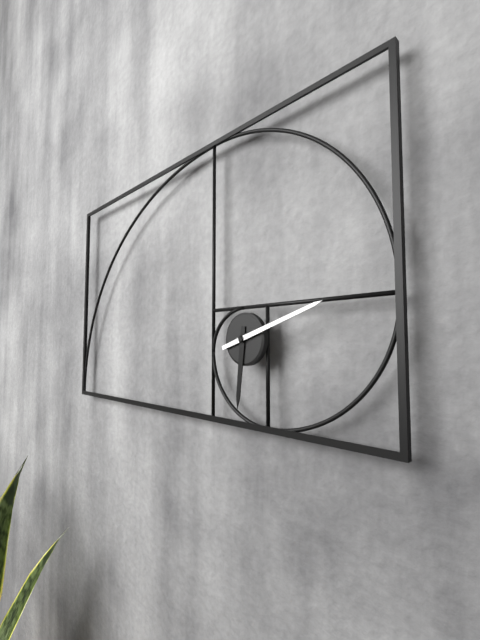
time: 6:12
